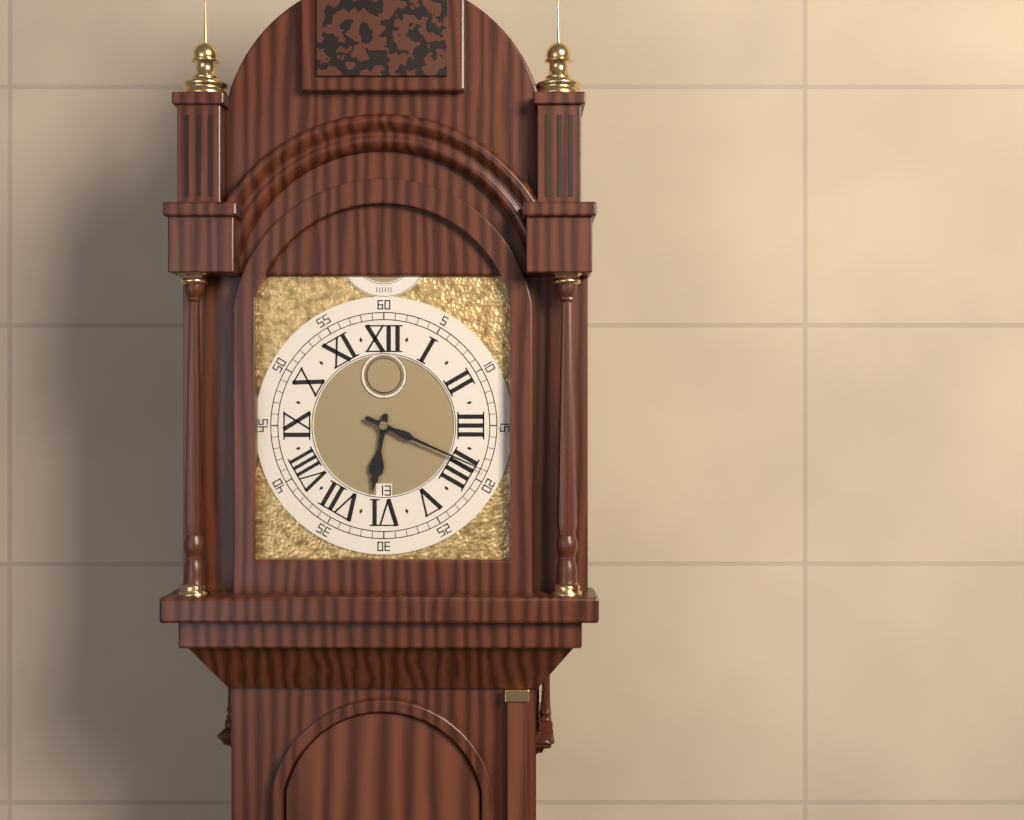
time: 6:19
